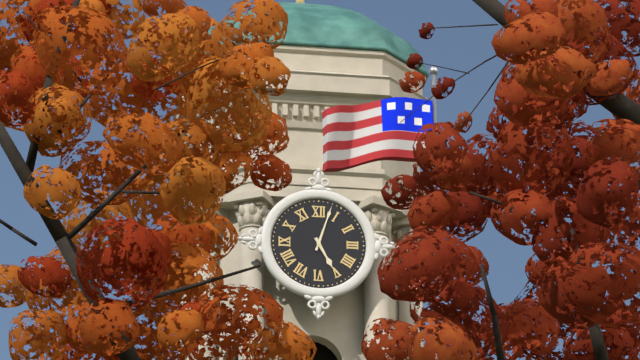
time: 5:03
